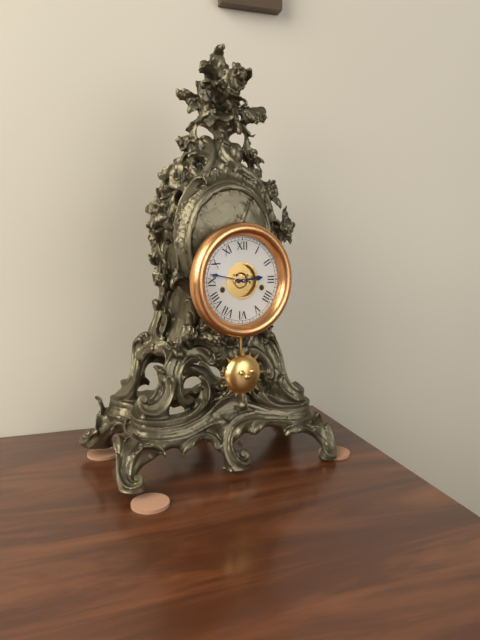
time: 2:47
